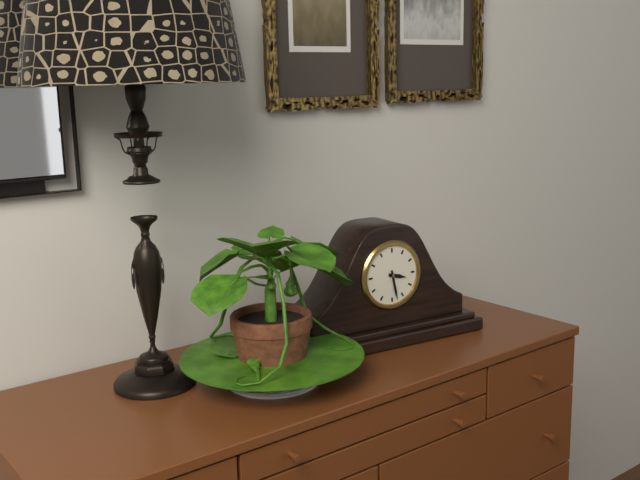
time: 3:28
